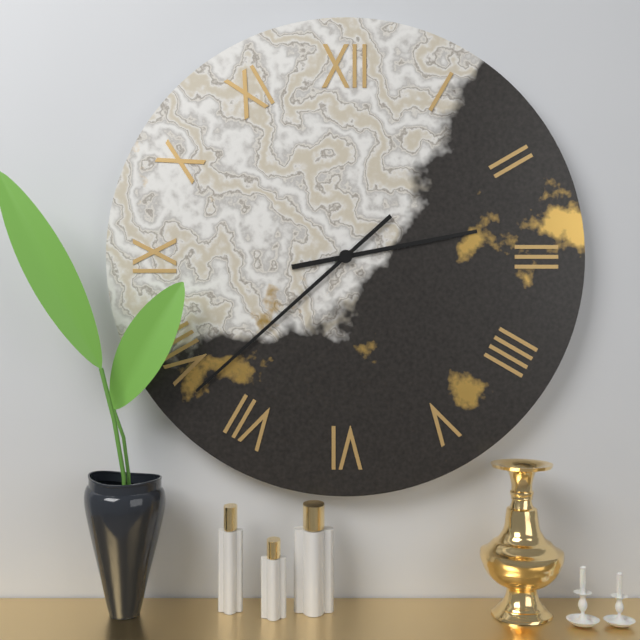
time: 2:38
